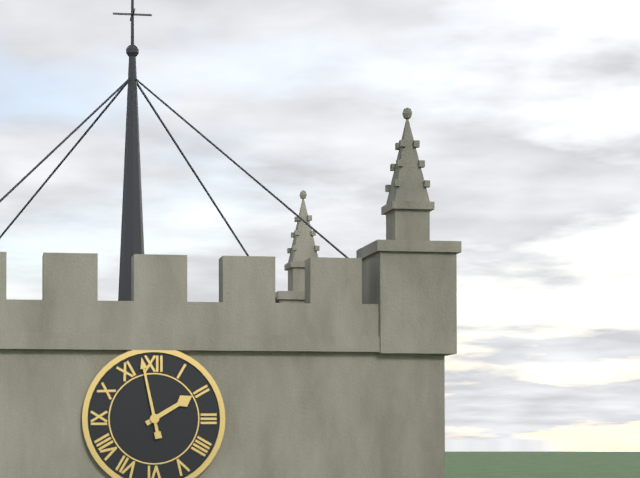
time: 1:58
